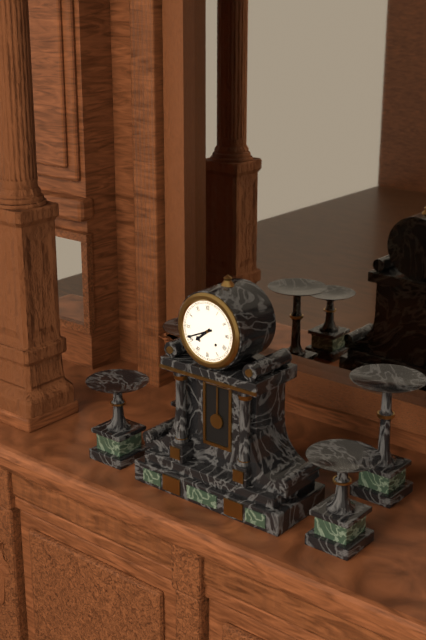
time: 7:41
